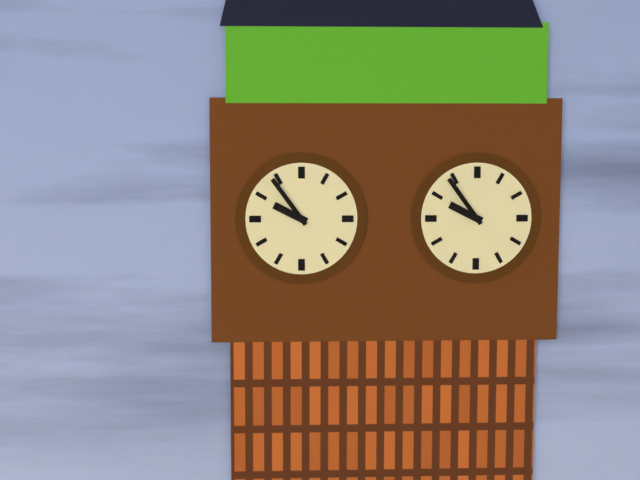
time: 9:54
